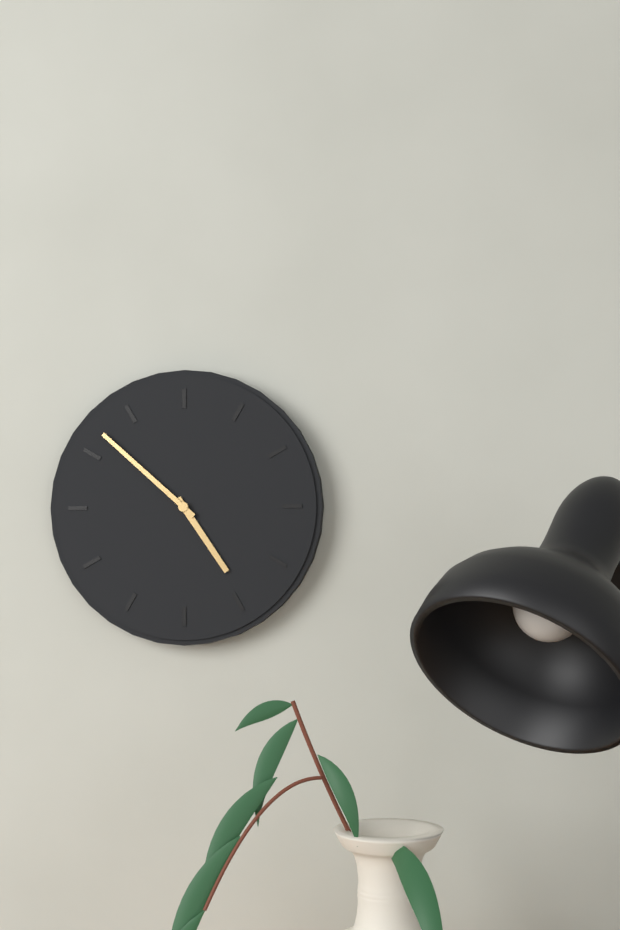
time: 4:52
